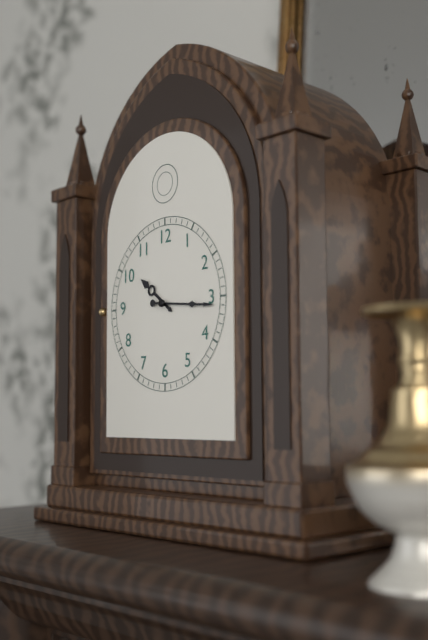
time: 10:16
